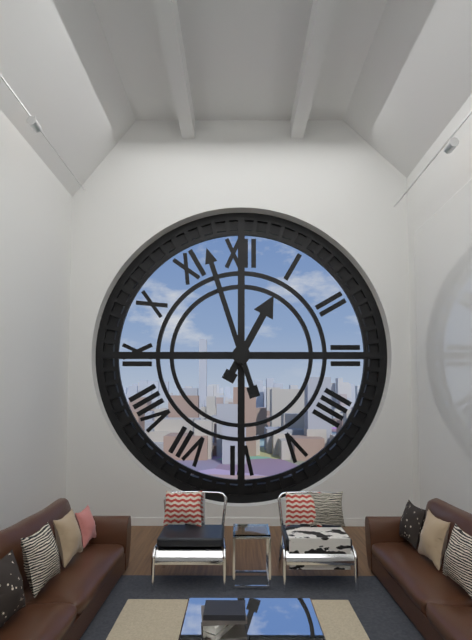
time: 12:57
